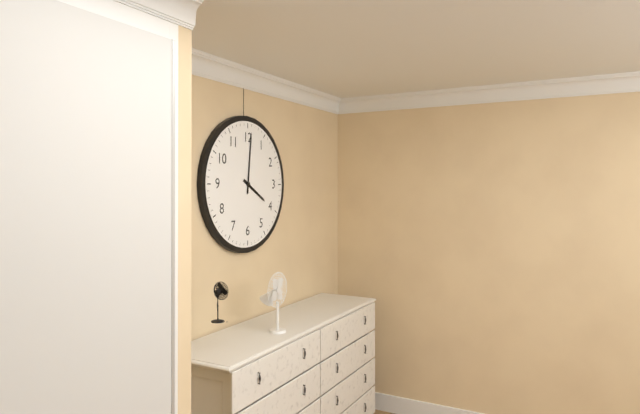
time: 4:01
